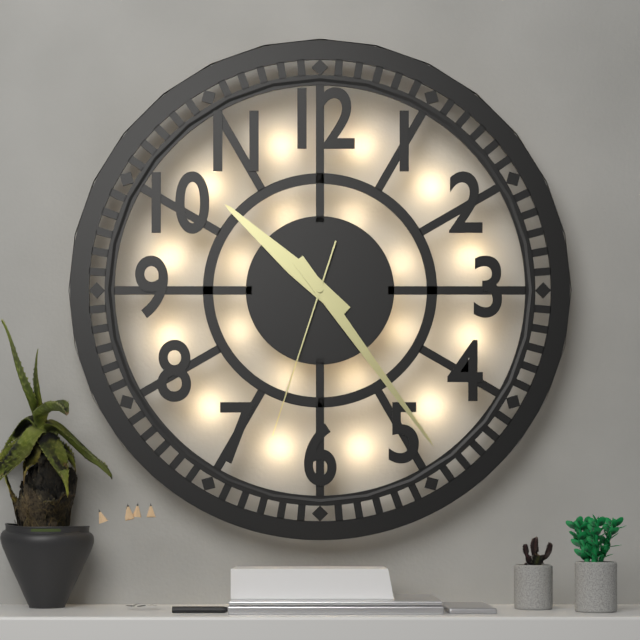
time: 10:24:33
